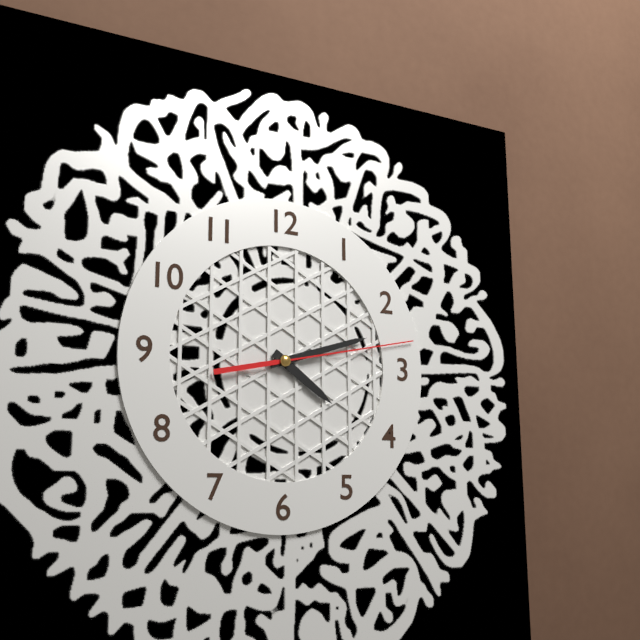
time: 4:12:13
